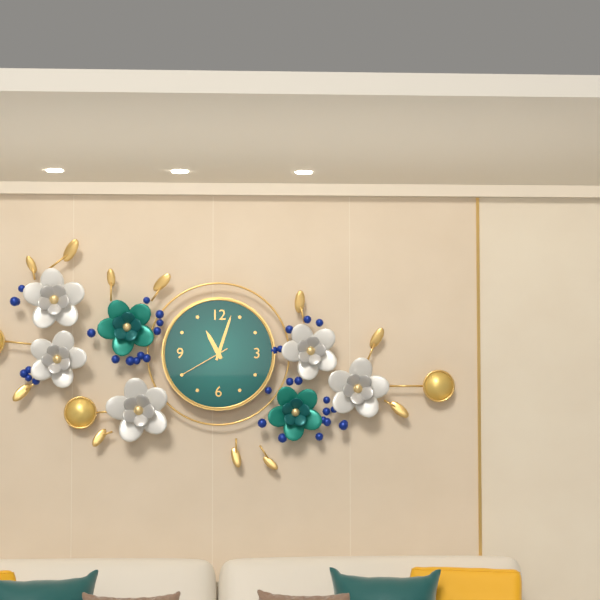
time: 11:03:40
